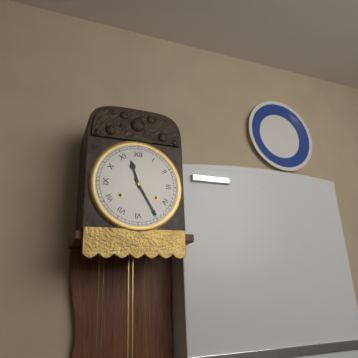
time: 11:25
